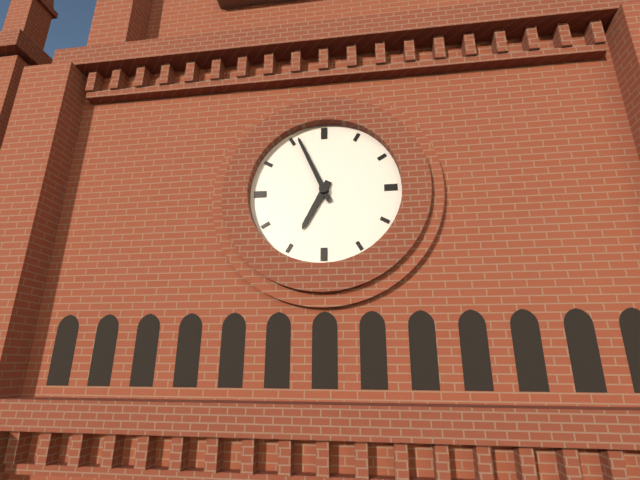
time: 6:56
